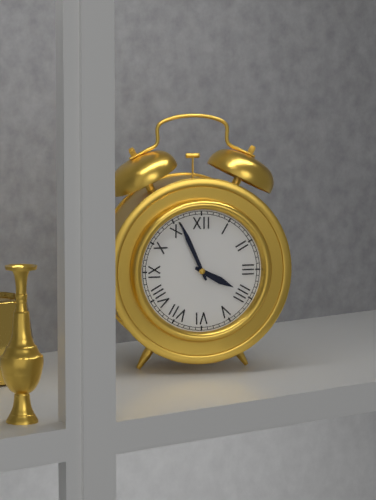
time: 3:56
